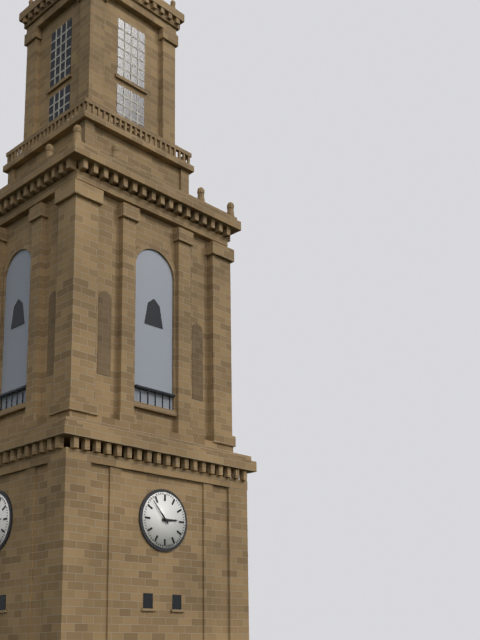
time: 2:53
